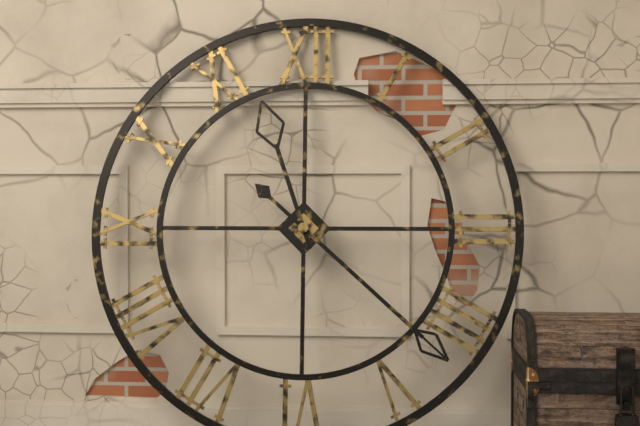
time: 11:22
